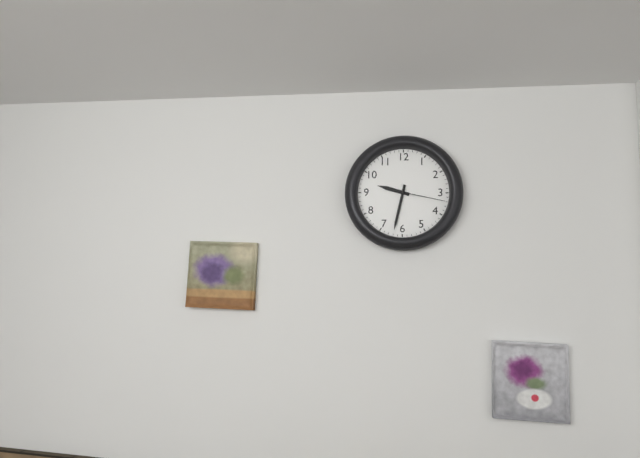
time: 9:32:17
